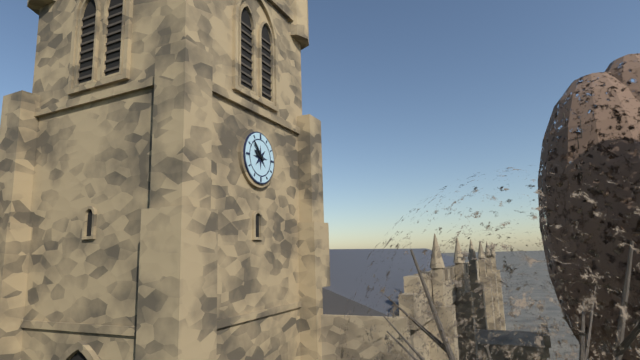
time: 9:53
